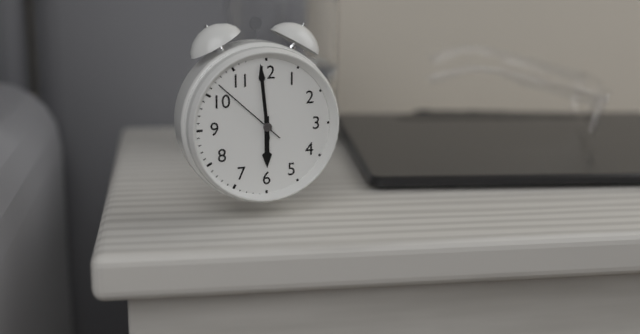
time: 5:59:52
